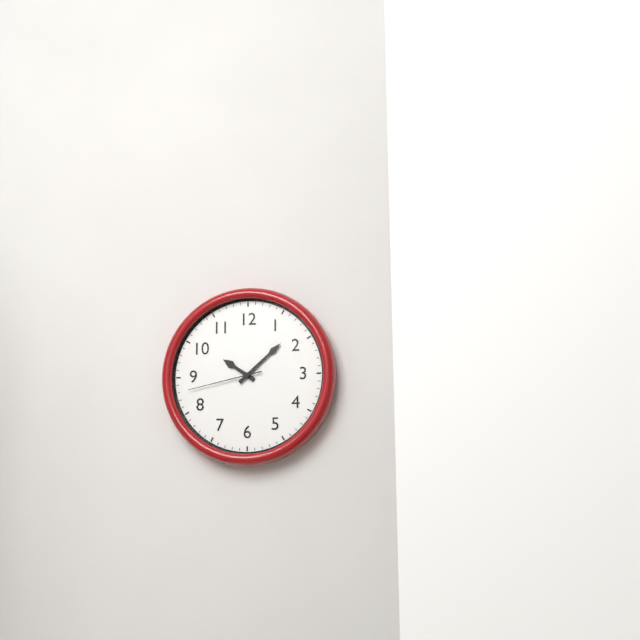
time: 10:08:43
